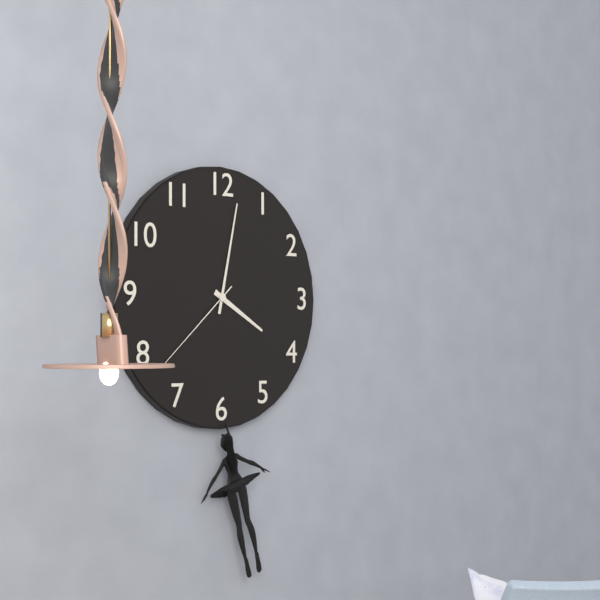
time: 4:02:38
